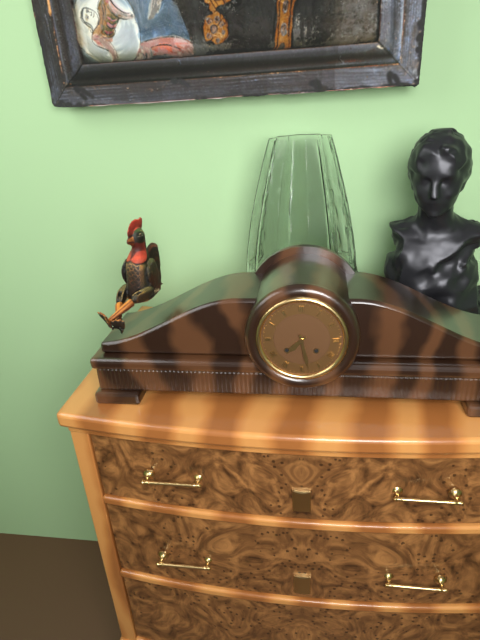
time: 7:28
